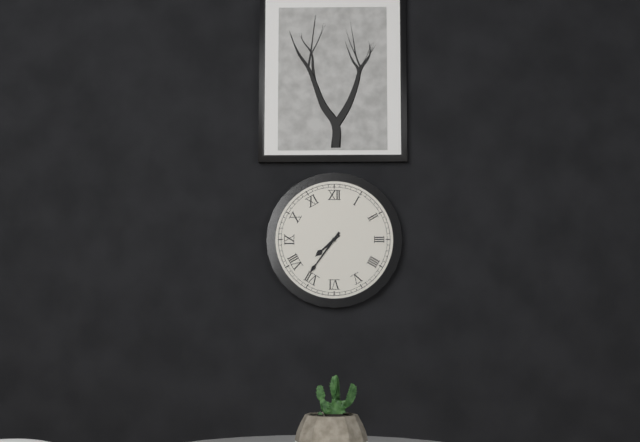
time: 7:36
